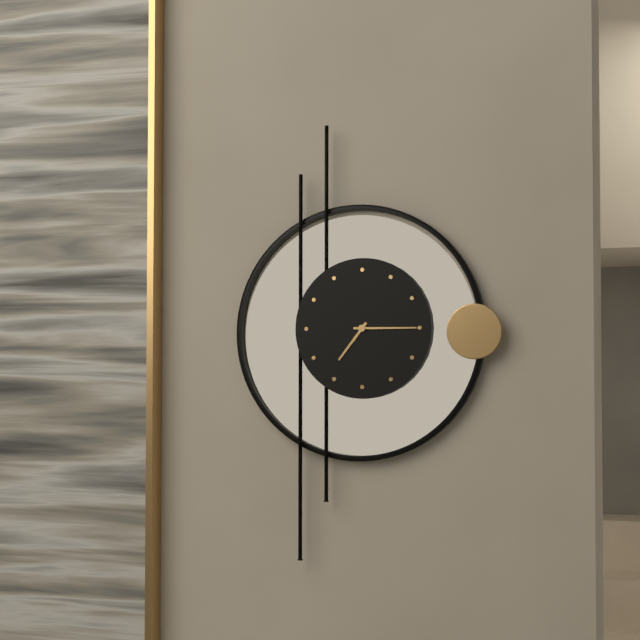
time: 7:15
